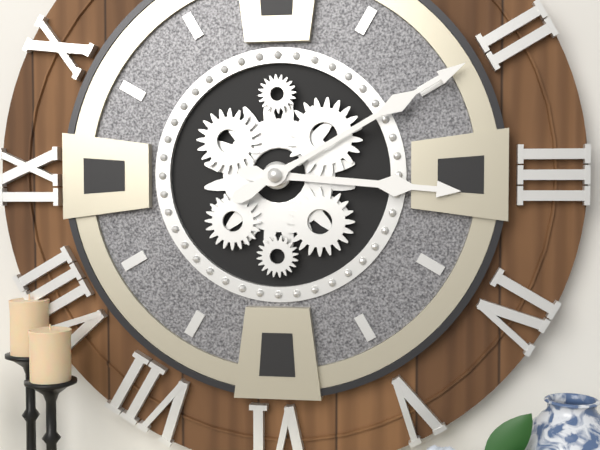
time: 3:10
